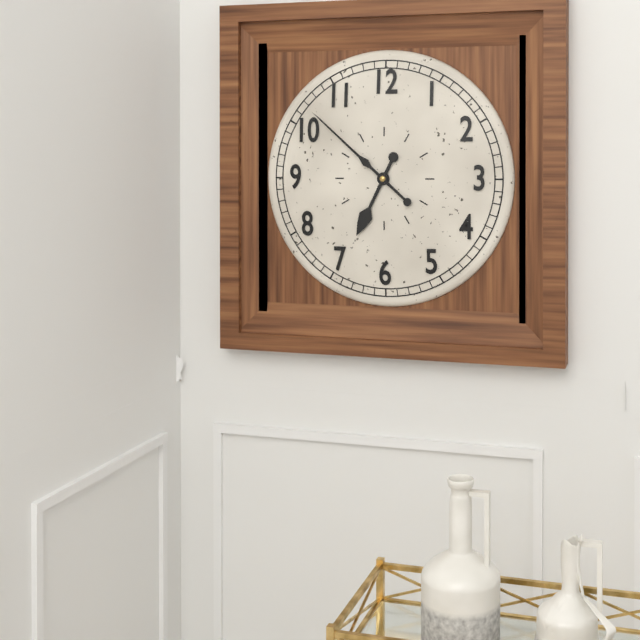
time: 6:52
